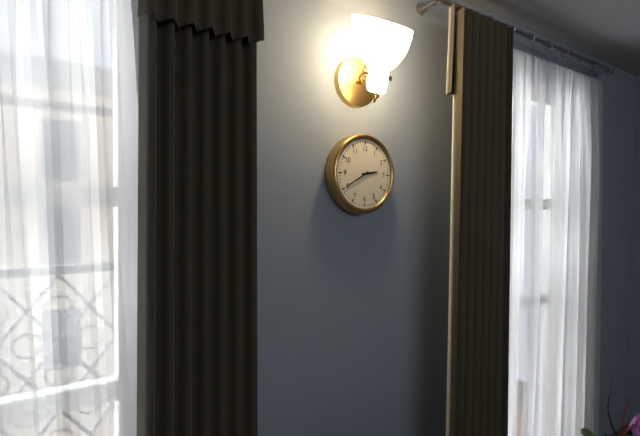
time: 2:40
